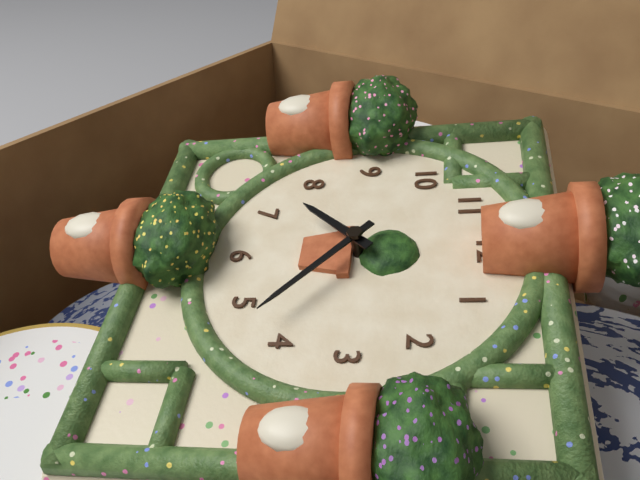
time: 7:22
